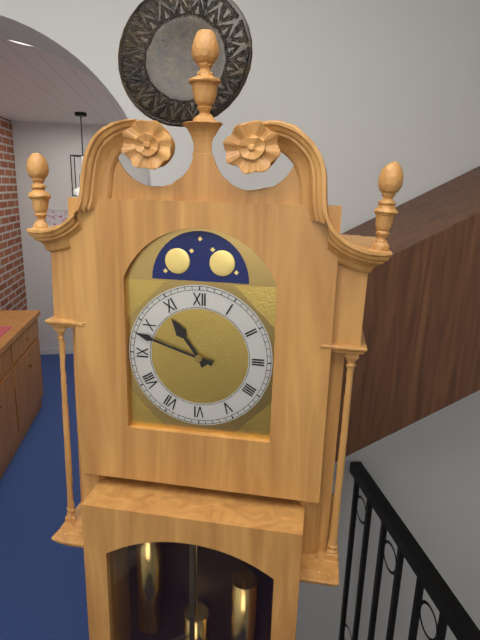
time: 10:48
